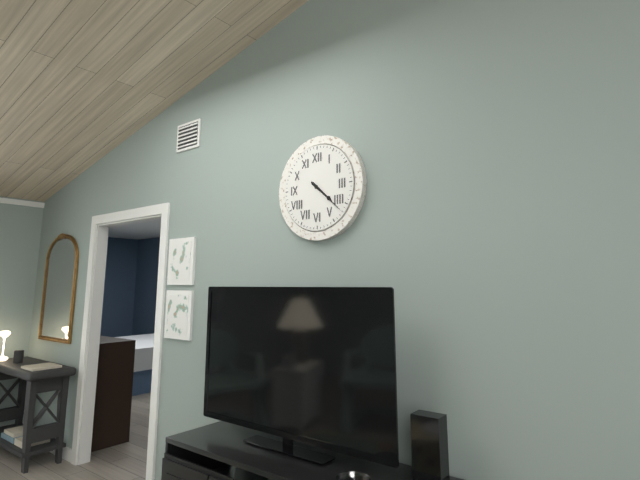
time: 4:22
